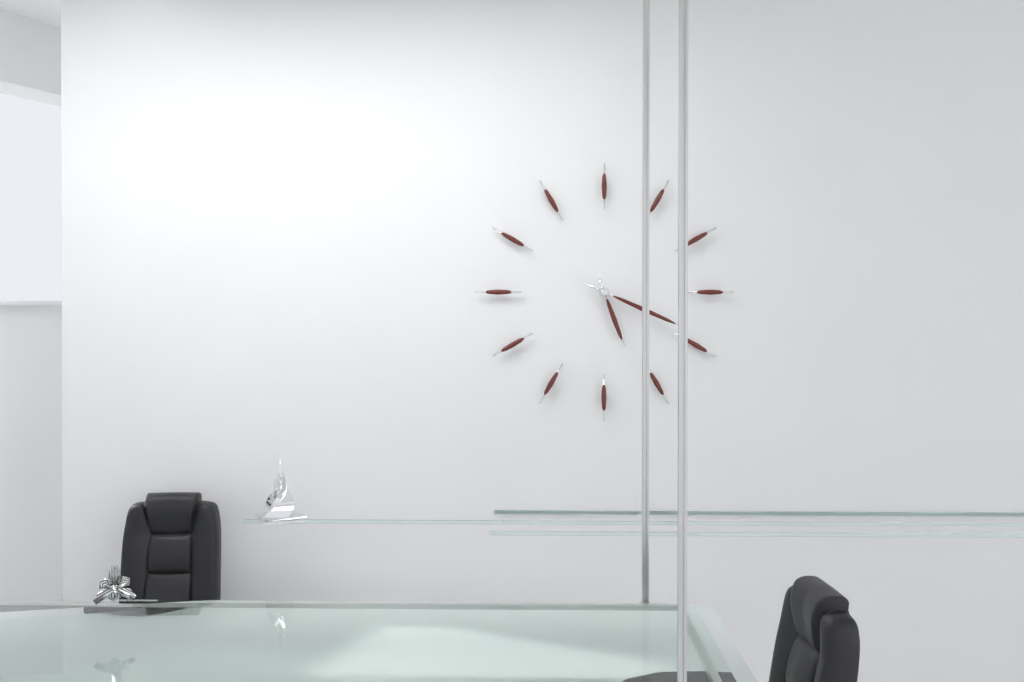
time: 5:19
